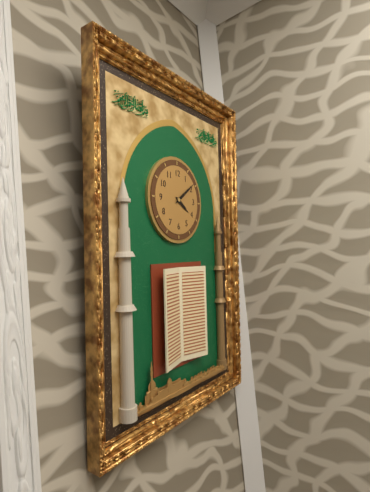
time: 4:09
